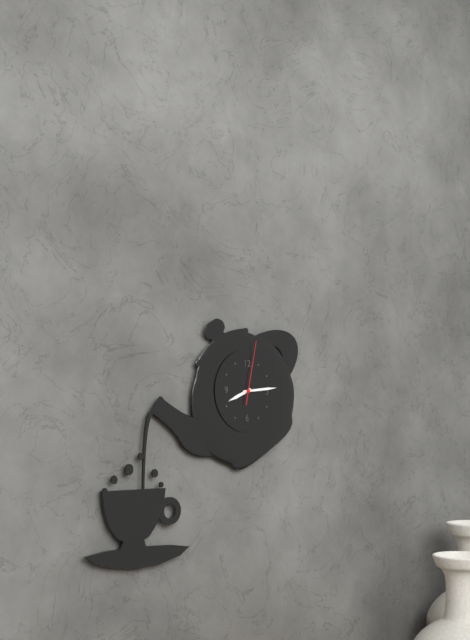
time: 8:14:02
